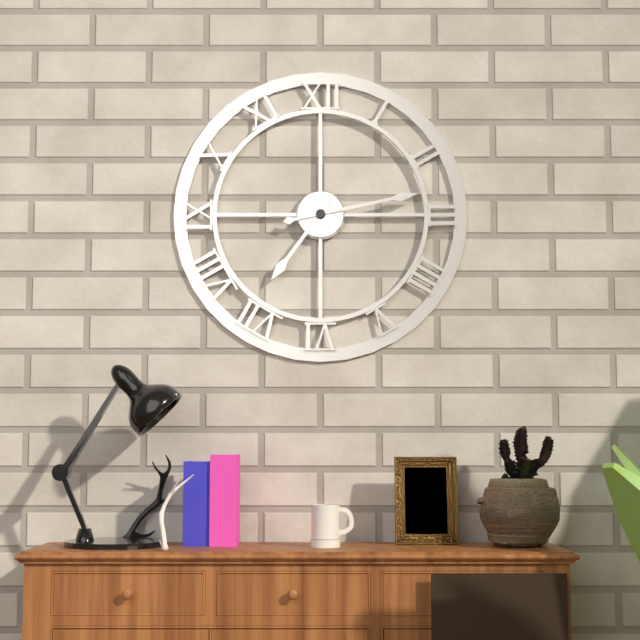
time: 7:13
